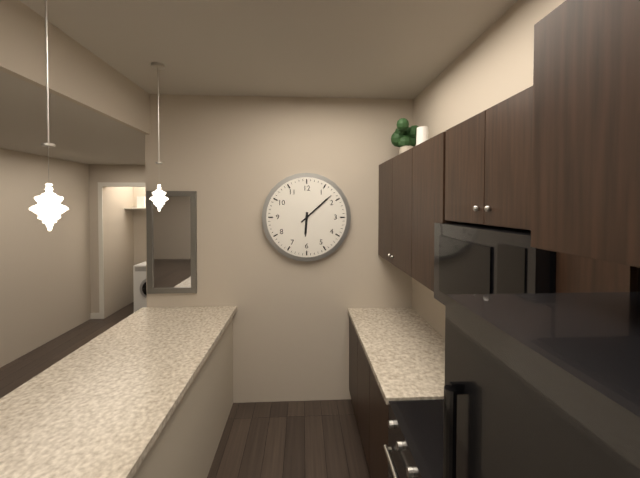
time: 6:08
